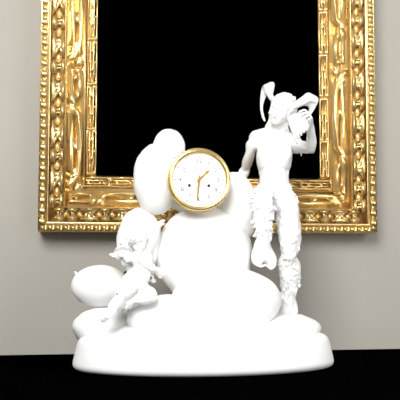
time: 1:31
